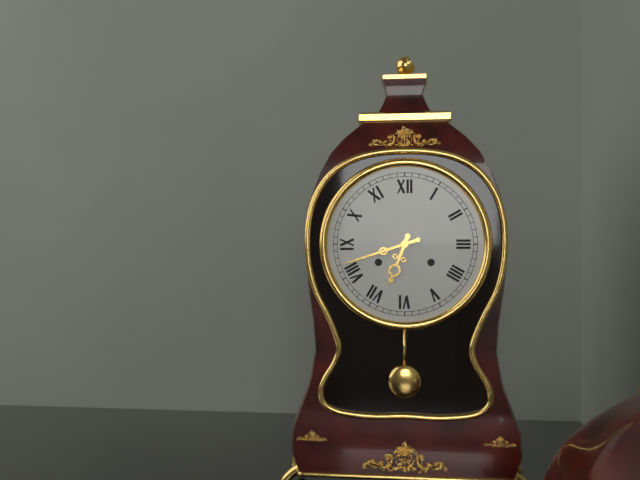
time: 6:42
